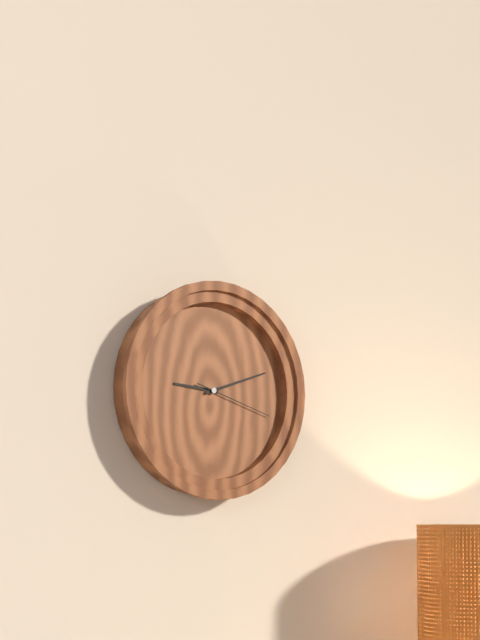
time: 9:12:18
